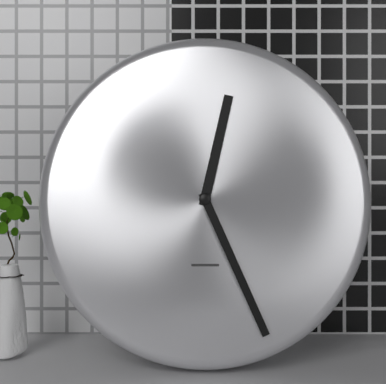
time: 12:26
